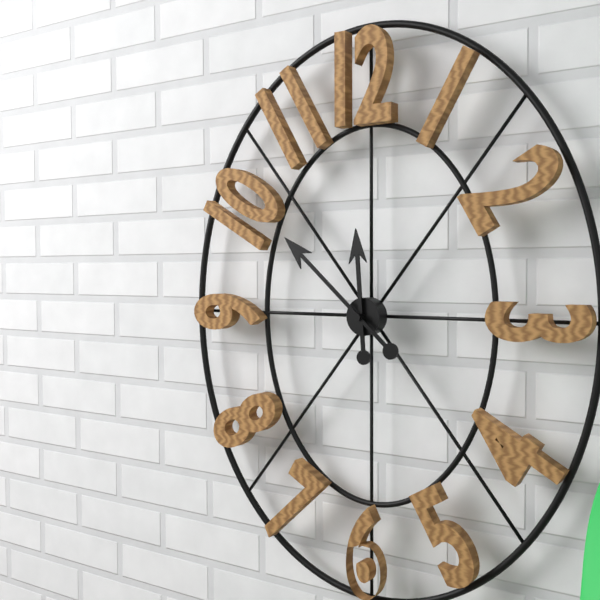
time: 11:52
